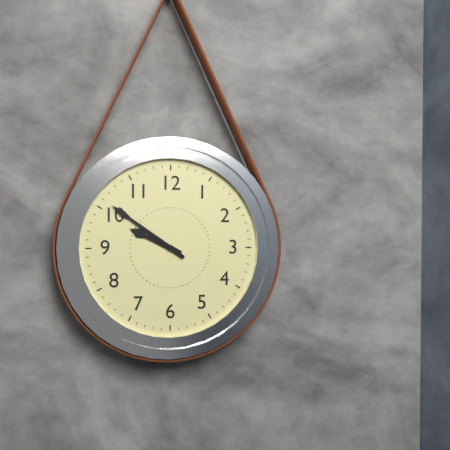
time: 9:51
